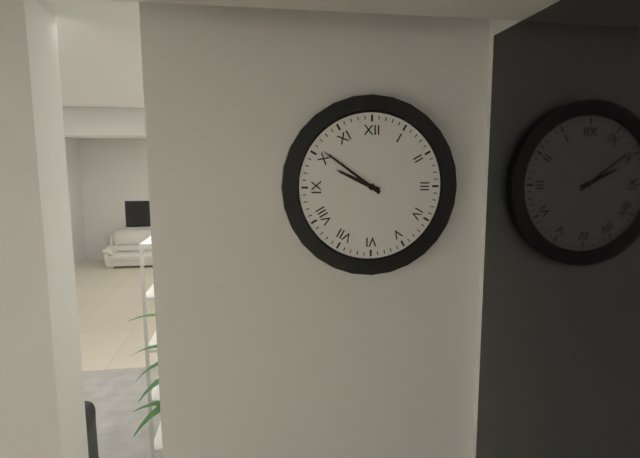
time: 9:51
